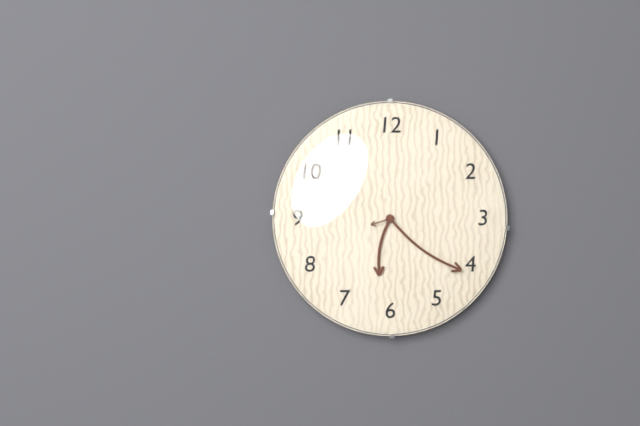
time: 6:21
